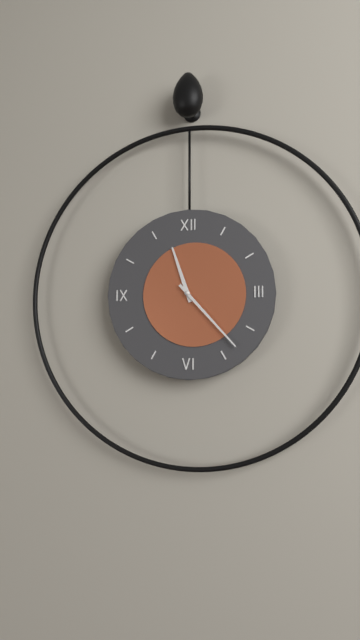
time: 11:23
